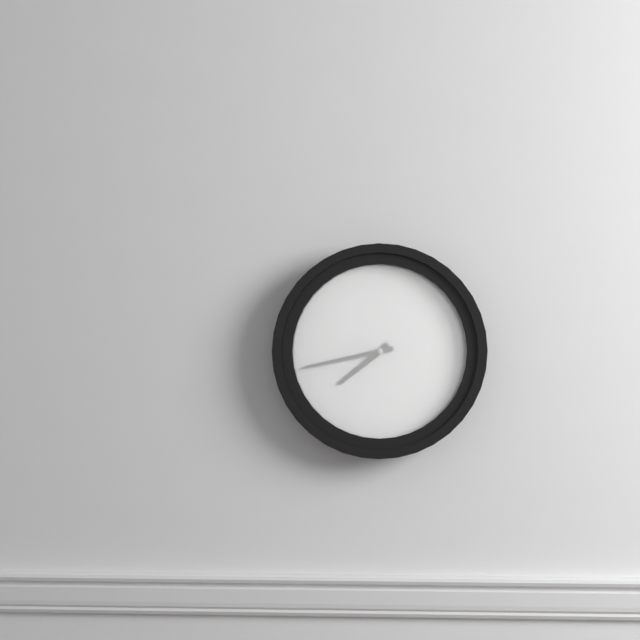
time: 7:43
